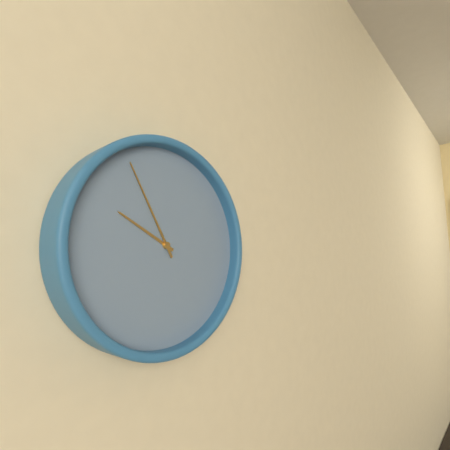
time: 9:55
